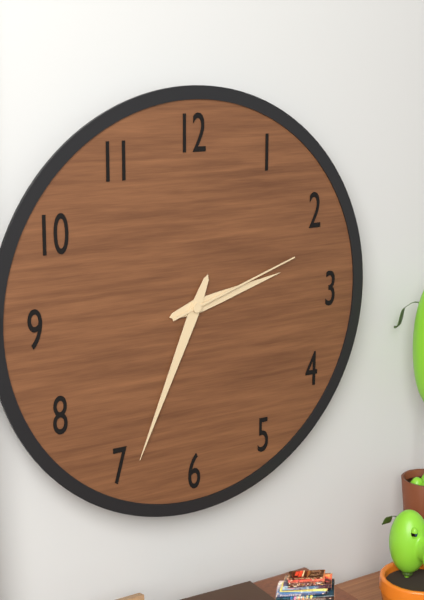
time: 2:34:12
